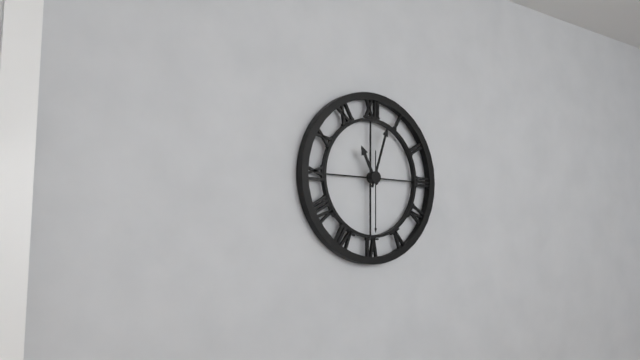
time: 11:03:30
